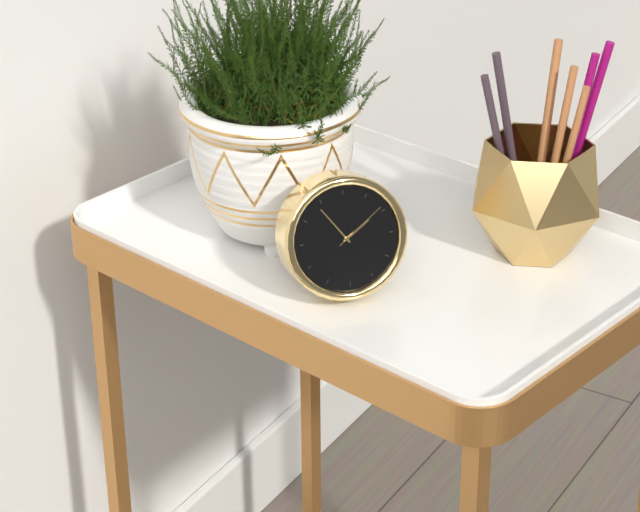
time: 1:54:09
